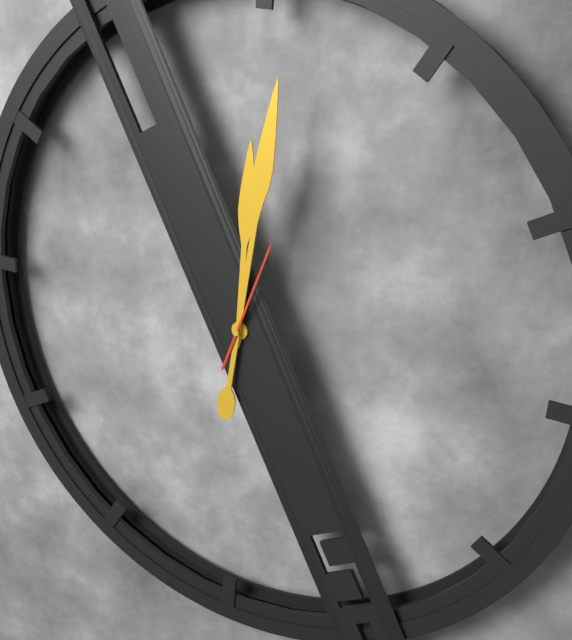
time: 12:01:03
